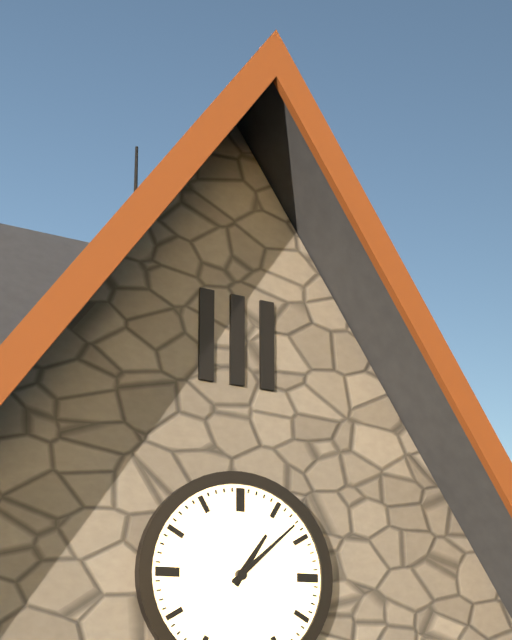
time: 1:08
